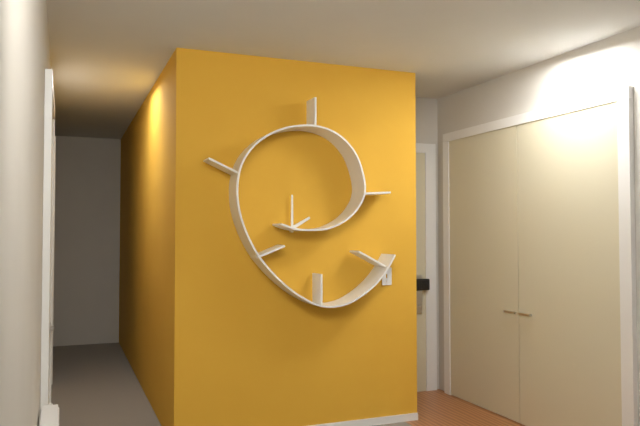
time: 2:00
